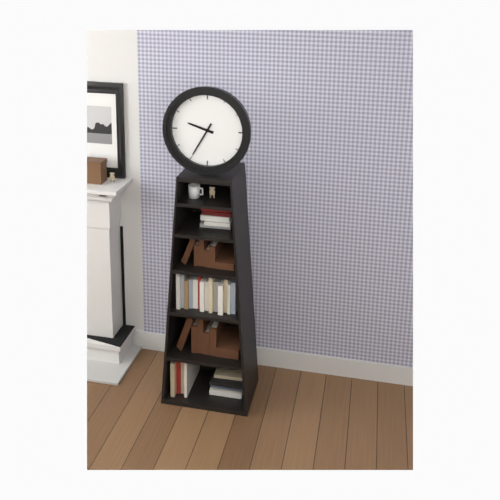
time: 9:35
